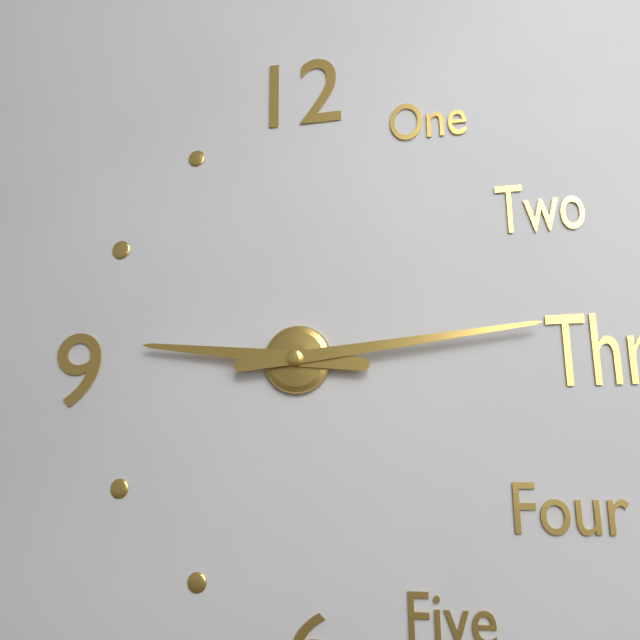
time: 9:14
